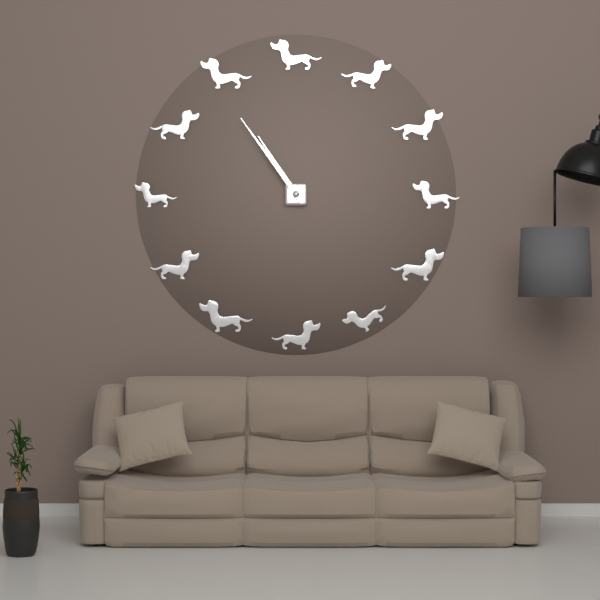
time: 10:54
